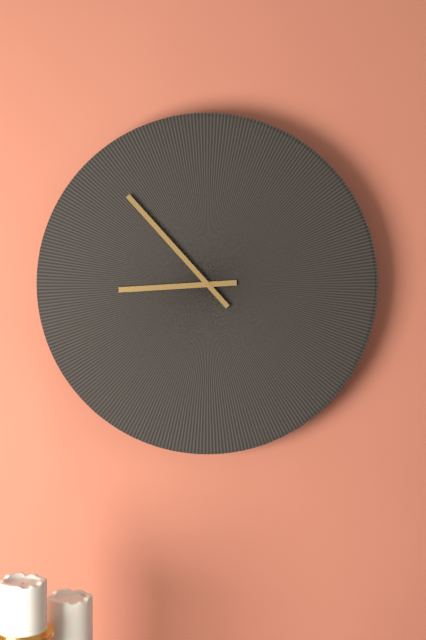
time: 8:53
